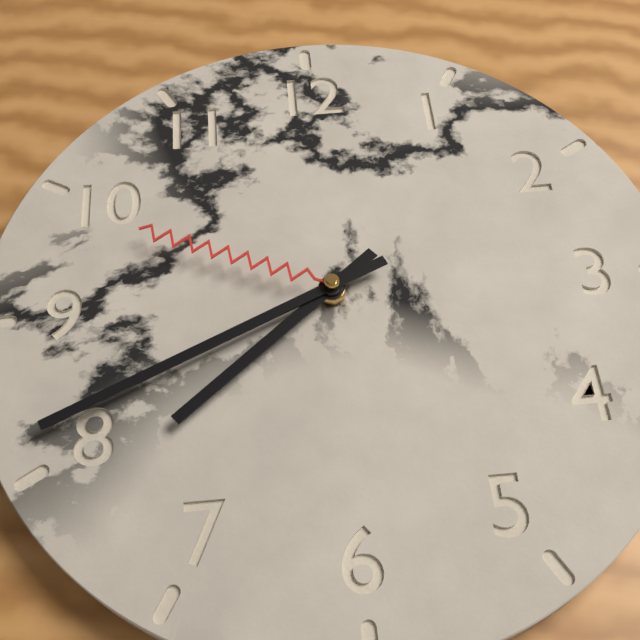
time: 7:41:49
